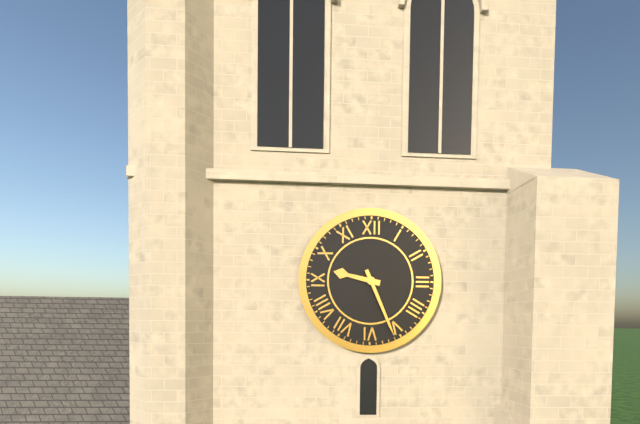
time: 9:26
